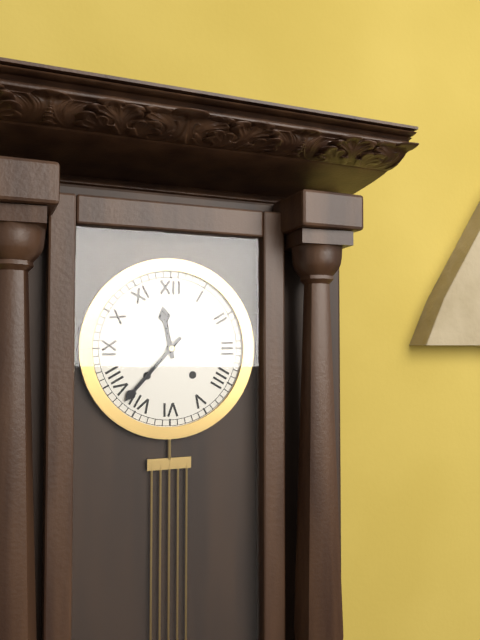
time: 11:37
